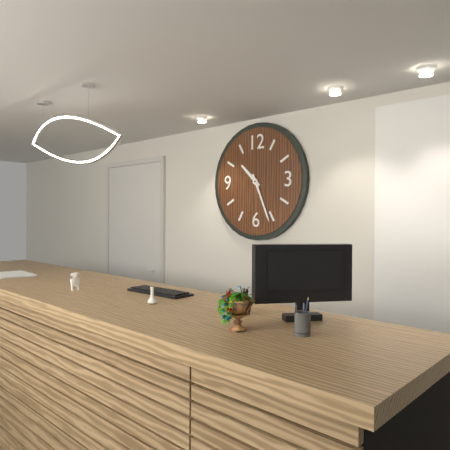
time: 10:26
